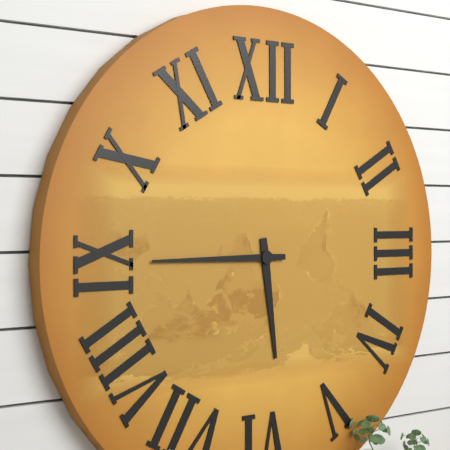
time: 5:45
